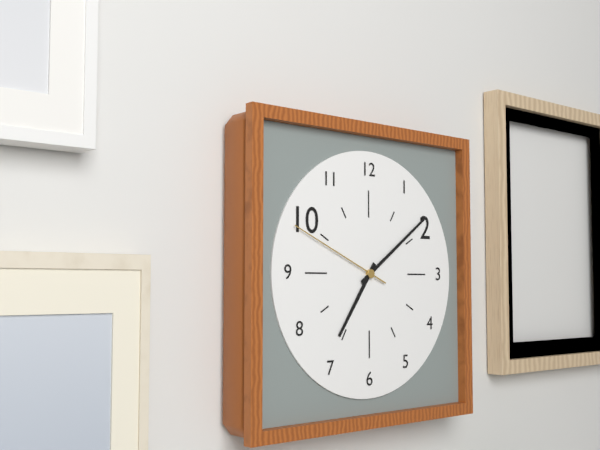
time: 7:09:49
